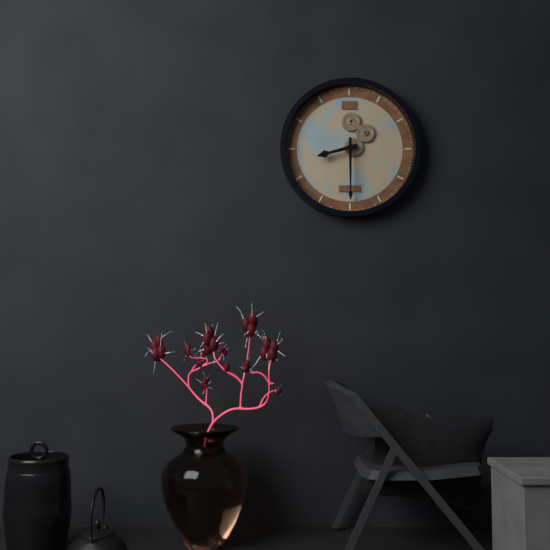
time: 8:30
